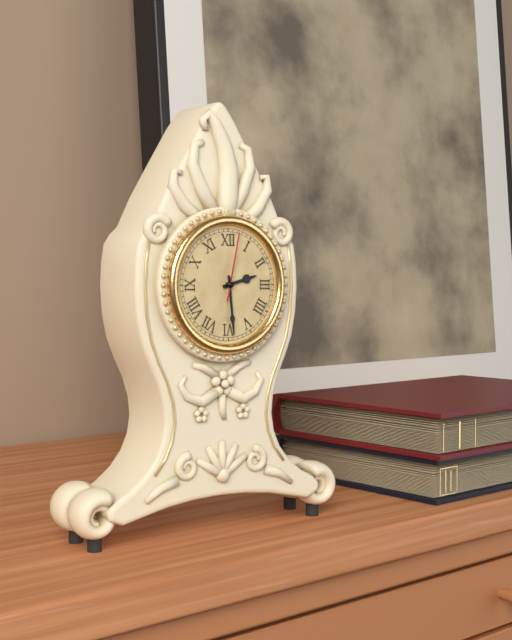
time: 2:29:02
